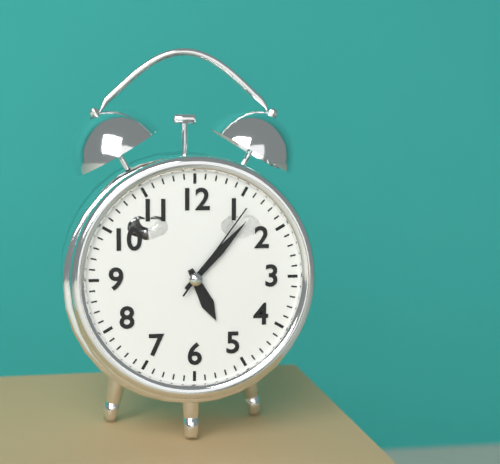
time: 5:07:06
